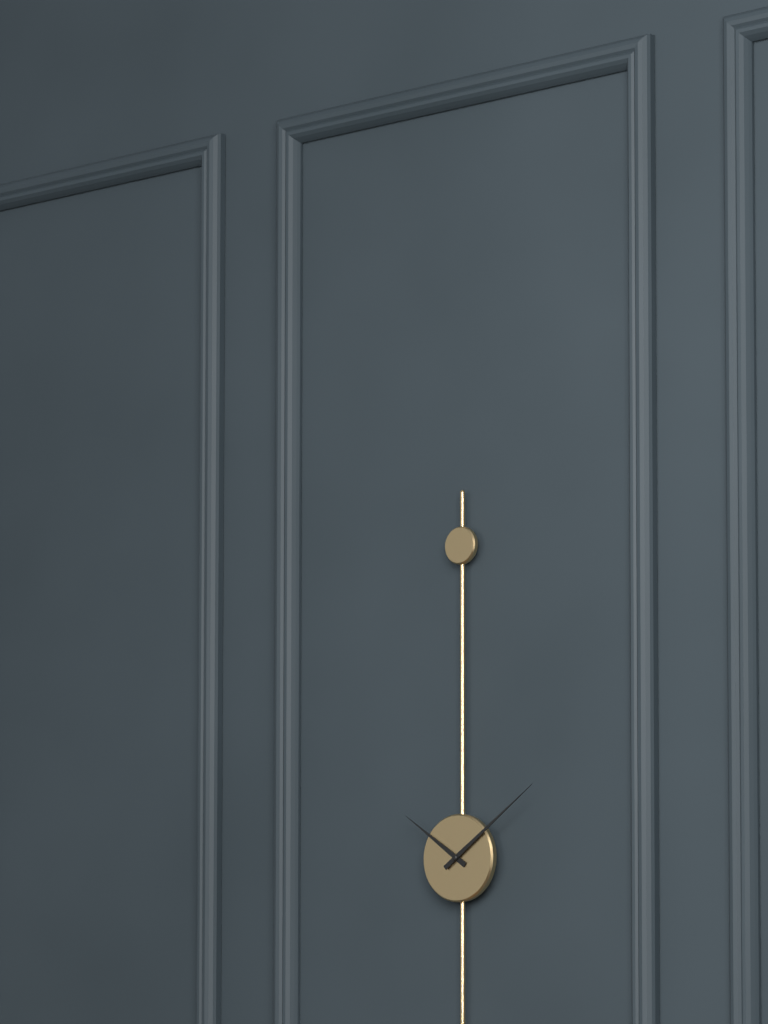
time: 10:09
